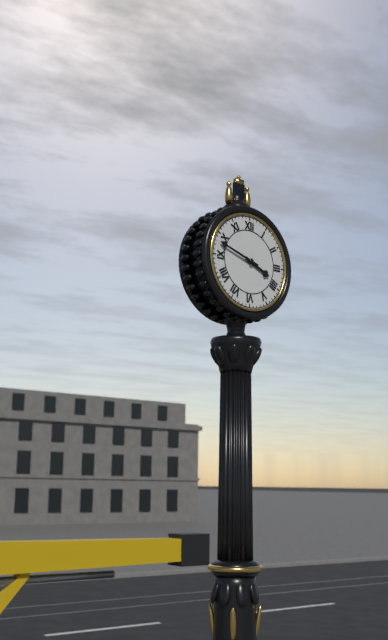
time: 3:48
